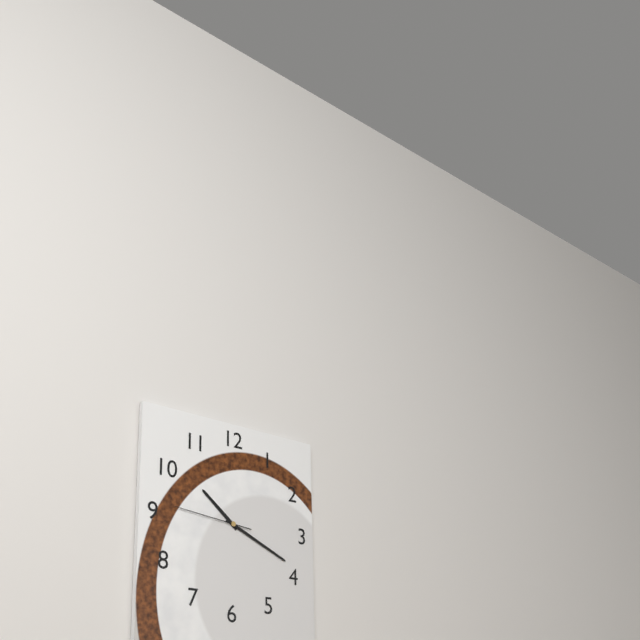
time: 10:19:46
